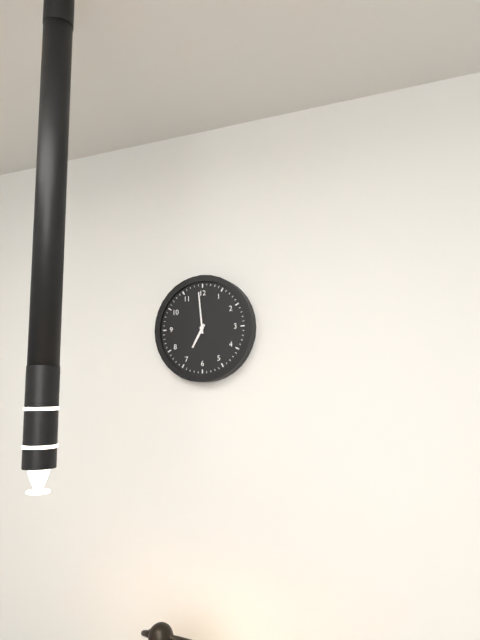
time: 6:59
